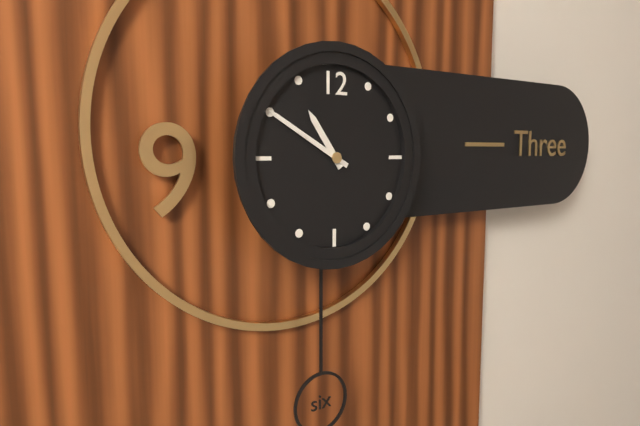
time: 10:50
